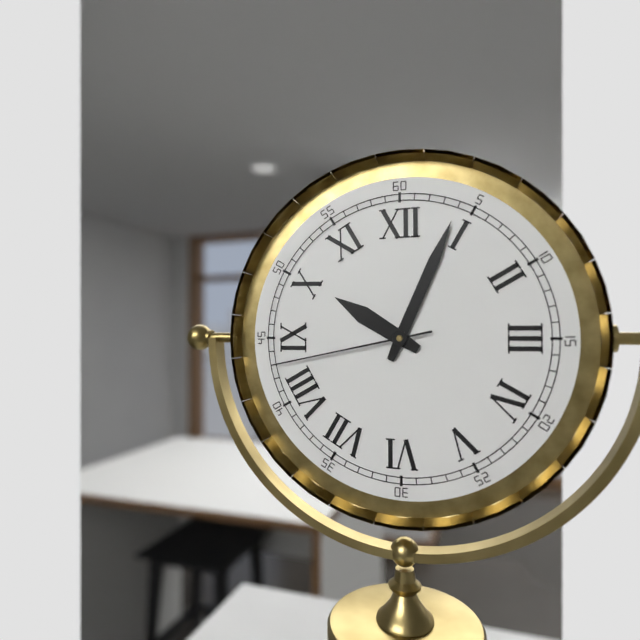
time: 10:04:43
